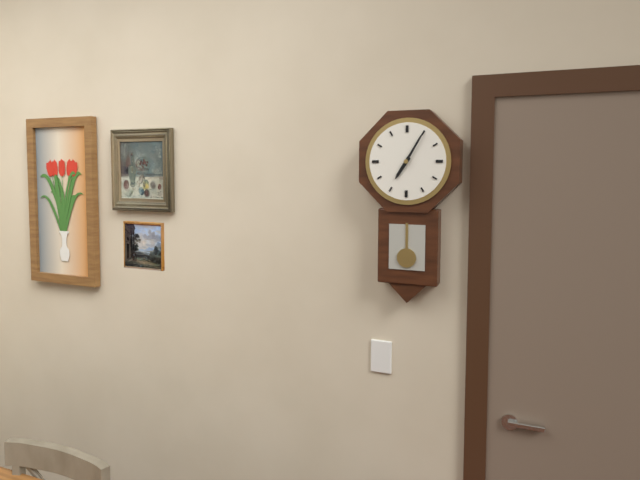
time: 7:05
